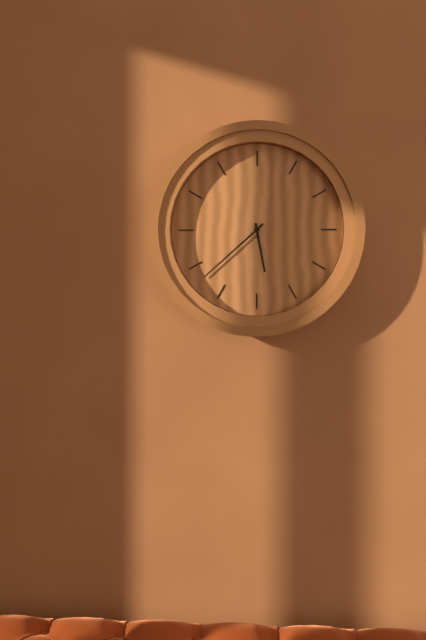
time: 5:38
